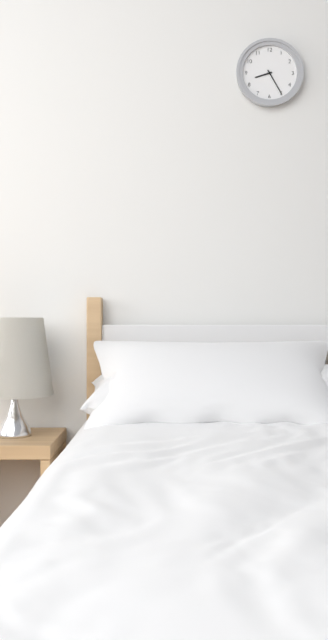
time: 8:25
